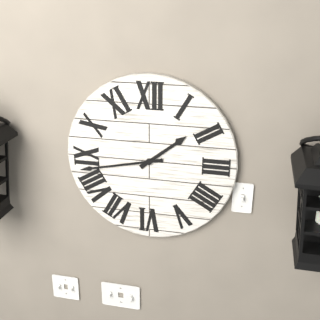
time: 1:43
